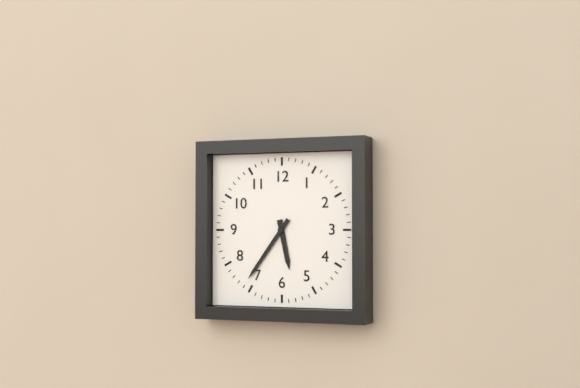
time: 5:36
